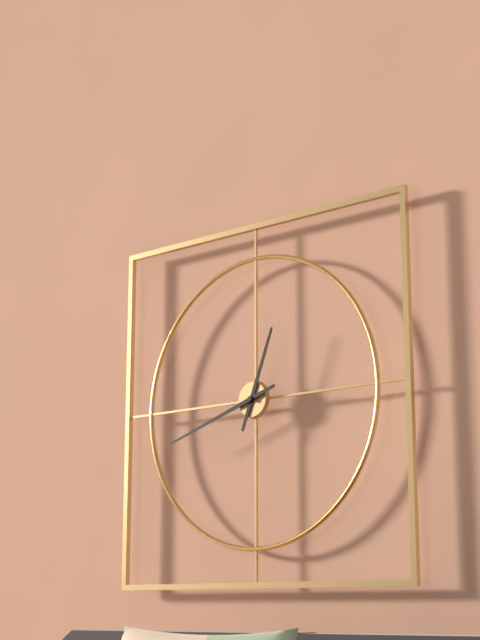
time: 12:42
